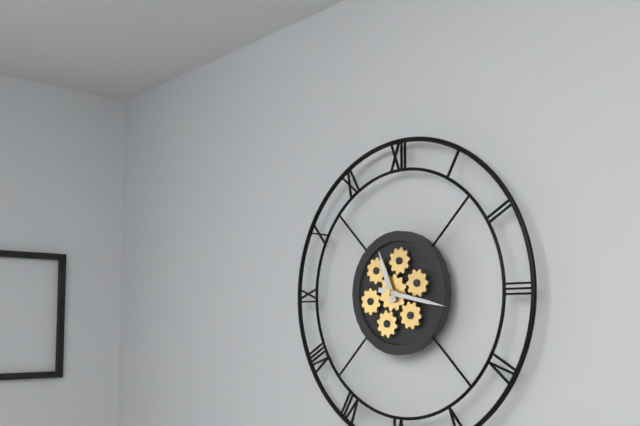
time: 11:17
